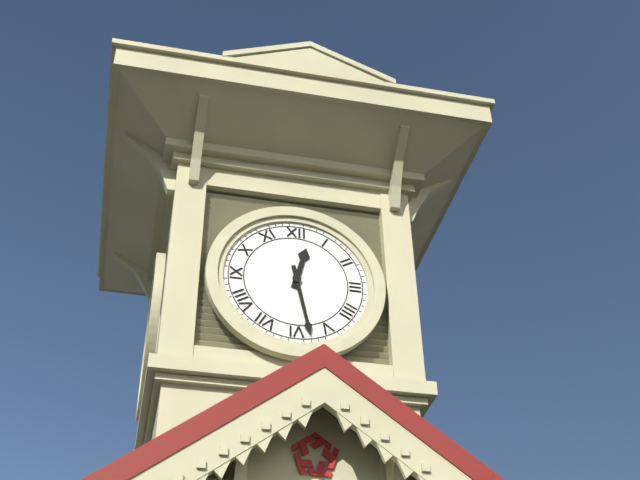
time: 12:28
